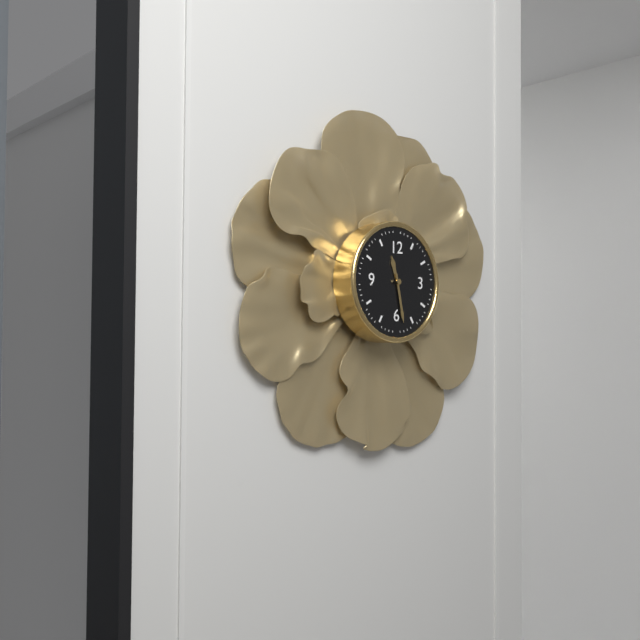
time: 11:28
